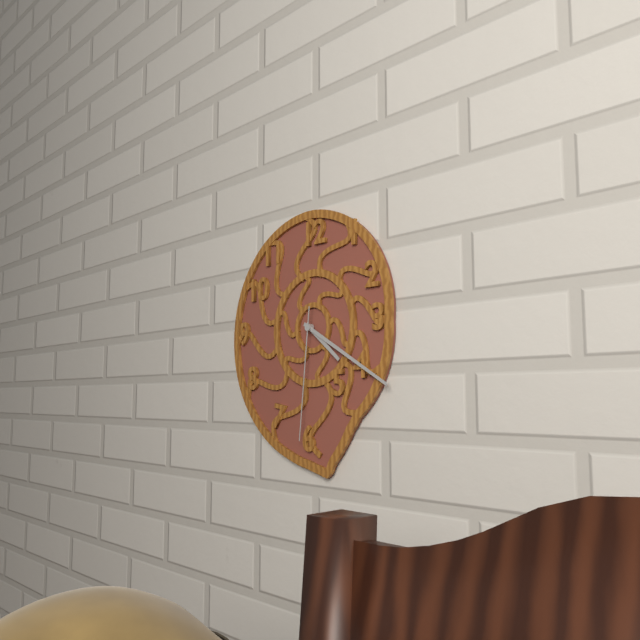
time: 4:20:31
